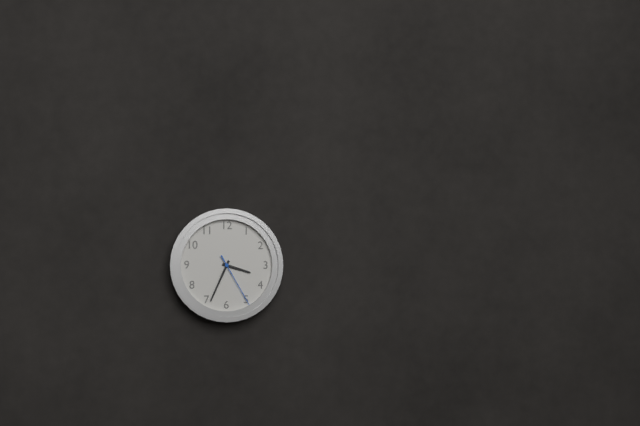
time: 3:34:25
